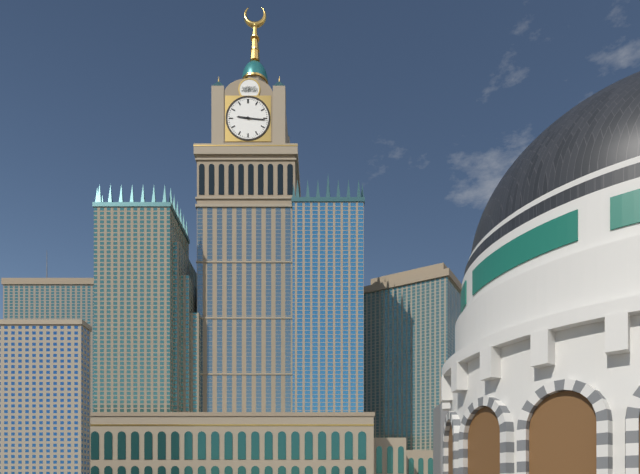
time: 9:16
